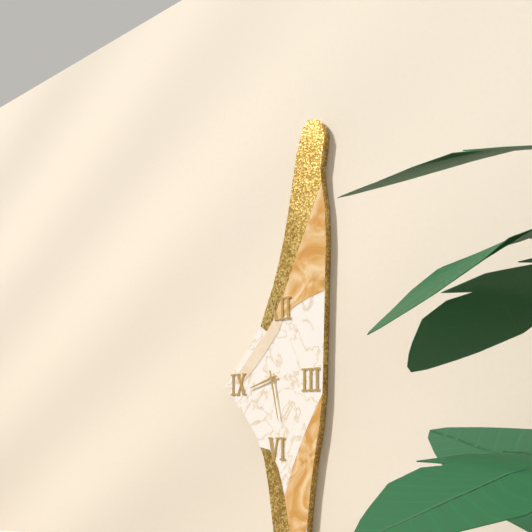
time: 8:28
